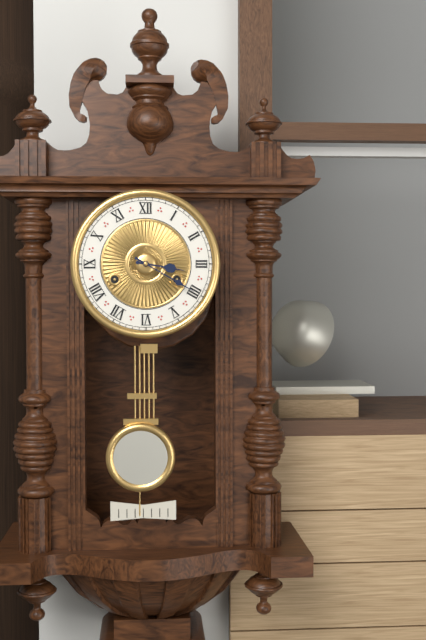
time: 3:20
